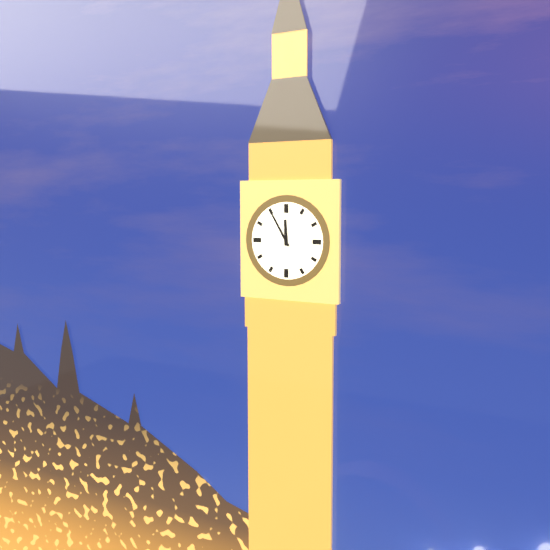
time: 11:55
